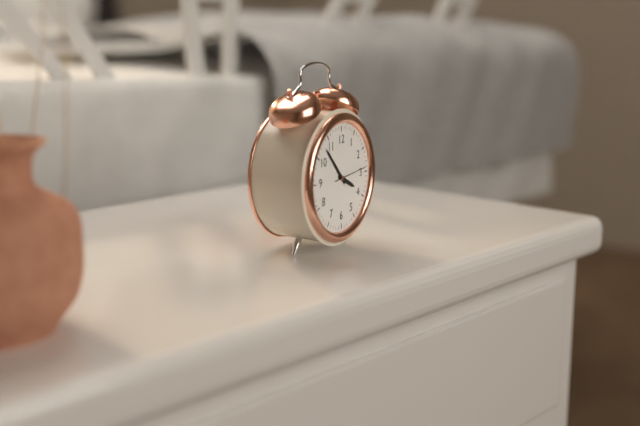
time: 3:53
